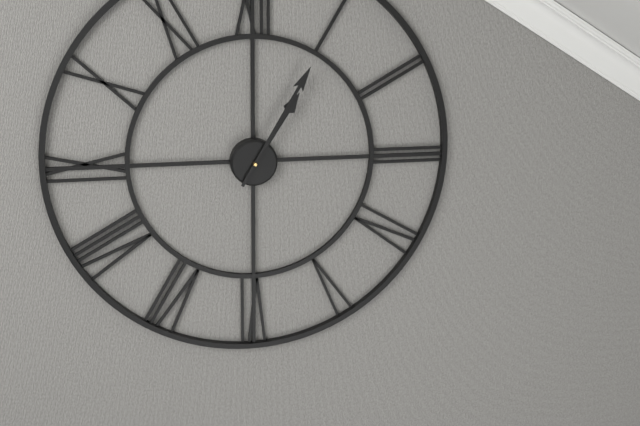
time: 1:05
